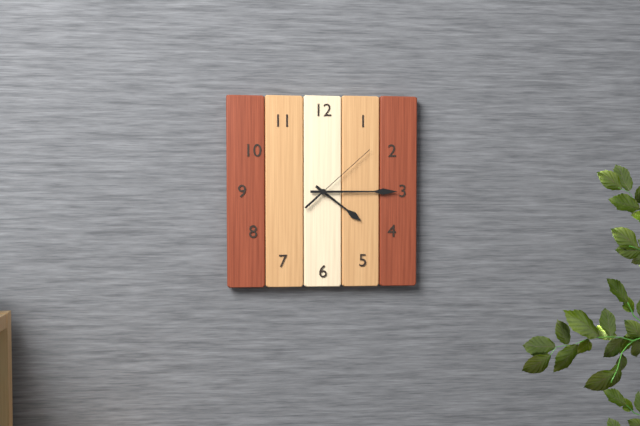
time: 4:15:08
